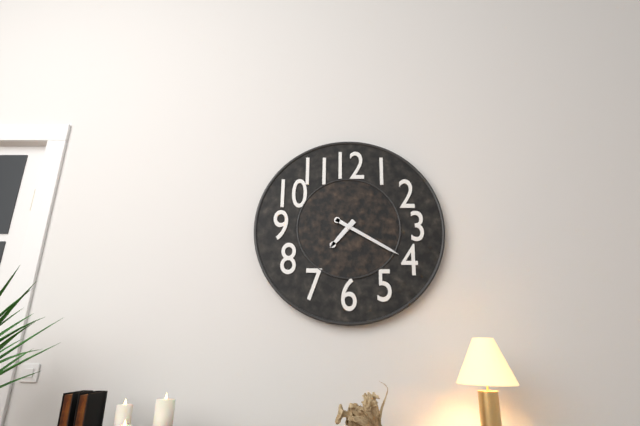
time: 7:20
